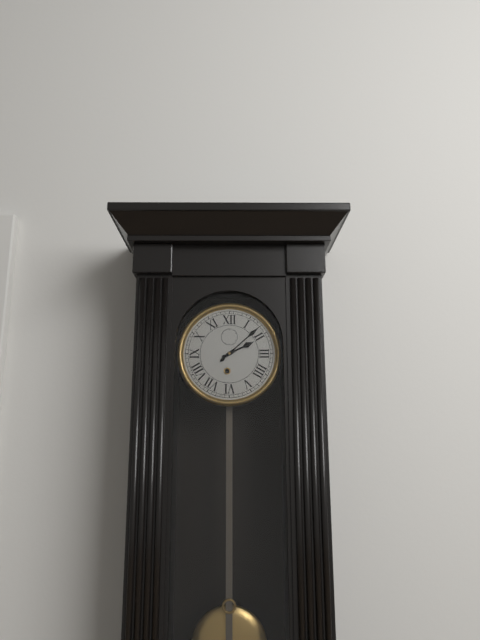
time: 2:08
